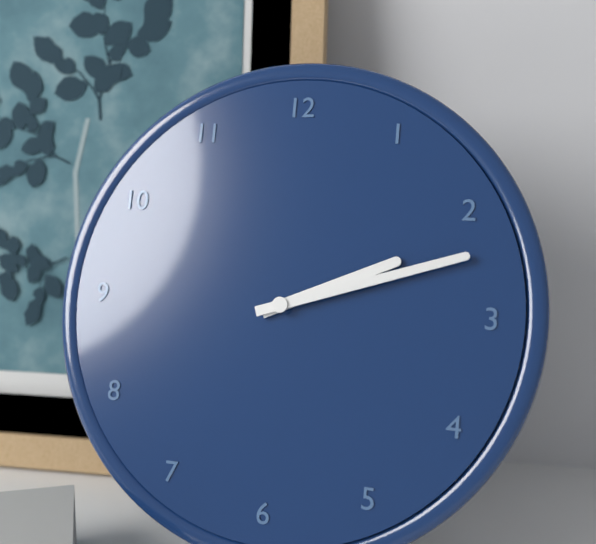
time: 2:12
